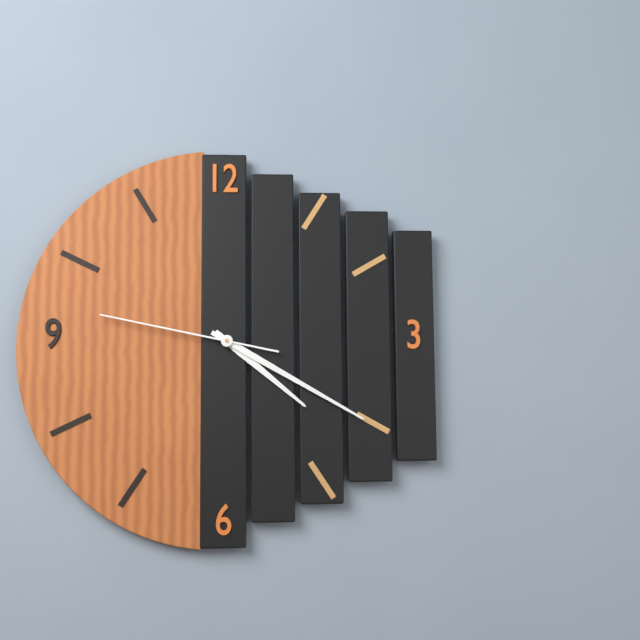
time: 4:20:47
